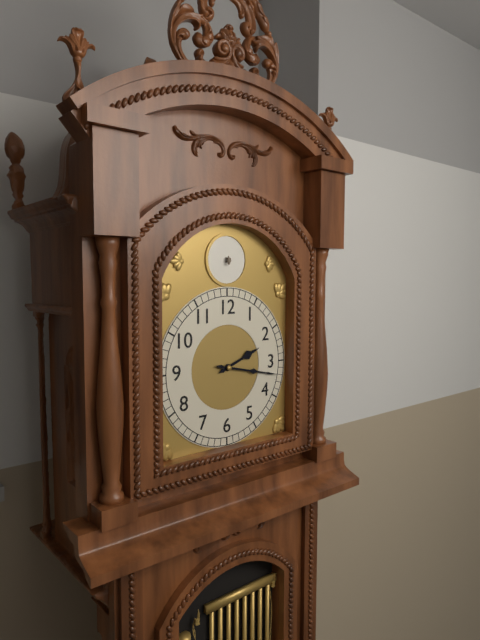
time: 2:17
